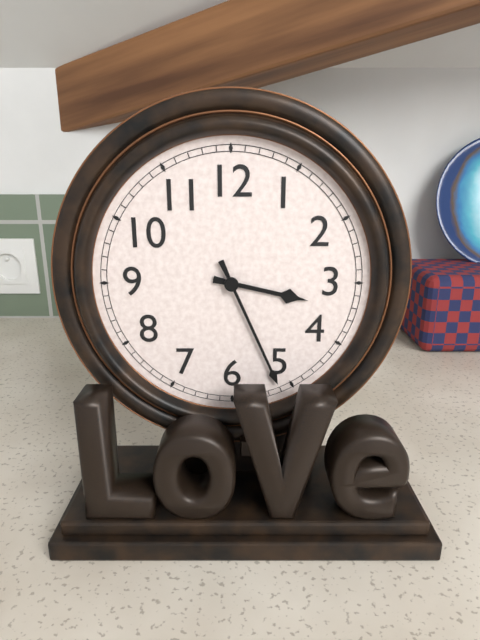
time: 3:26
